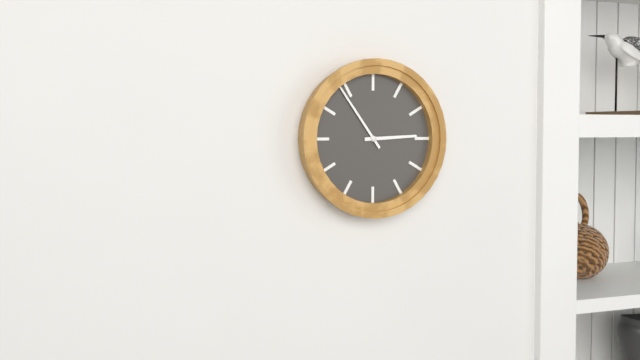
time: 2:54
